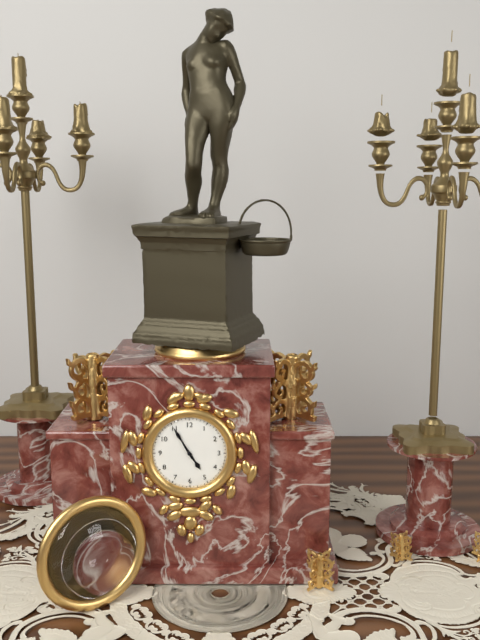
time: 4:55
